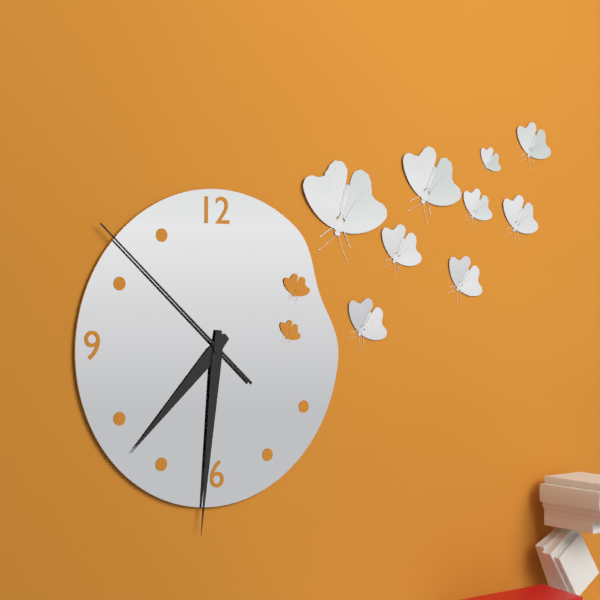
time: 7:31:52
